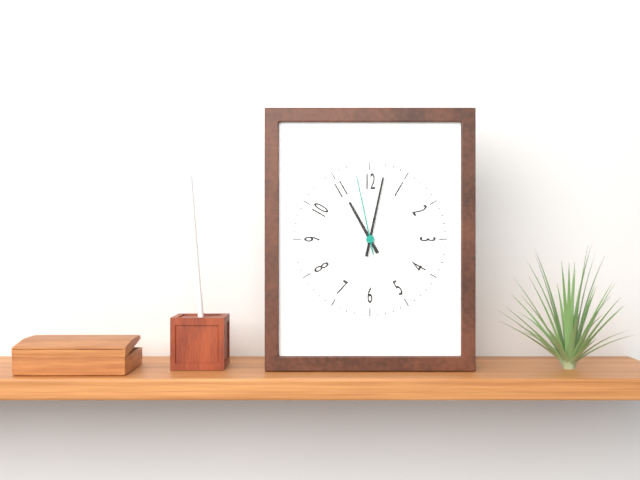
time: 11:02:58
